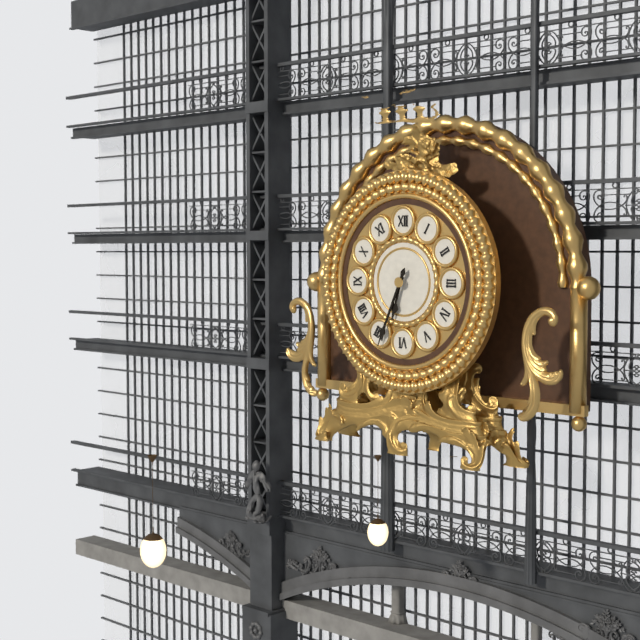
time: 6:34
